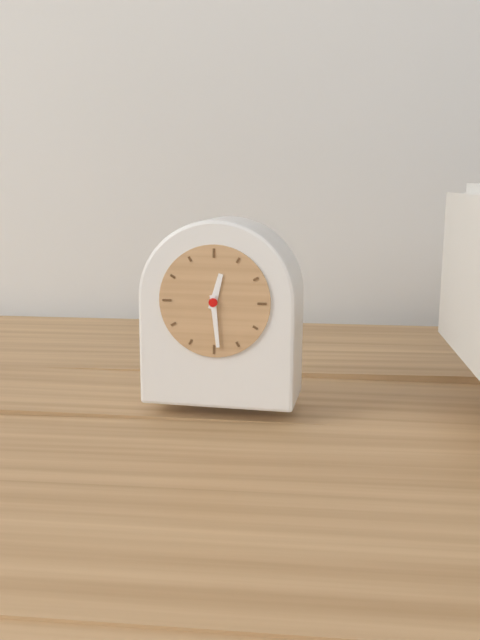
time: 12:29
